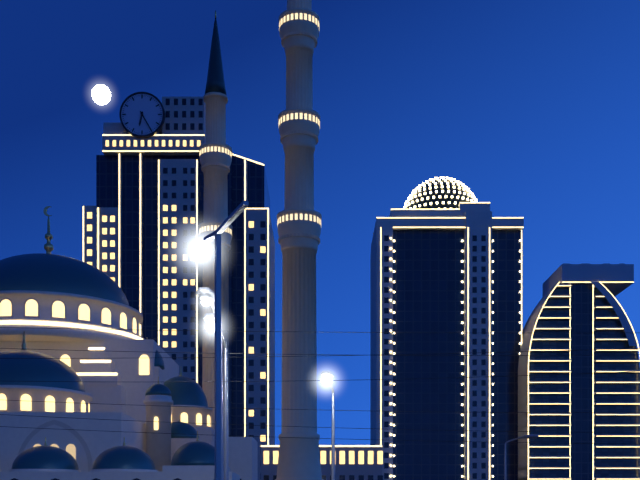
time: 6:25
